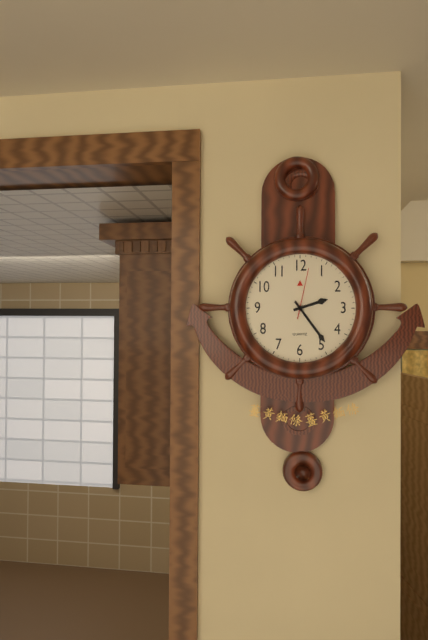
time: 2:24:02
